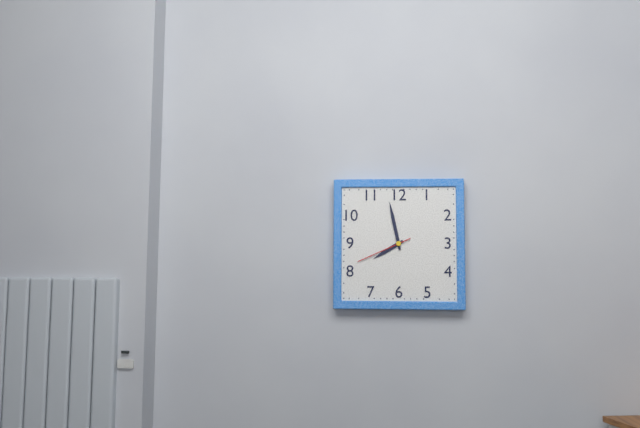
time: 7:58:41
